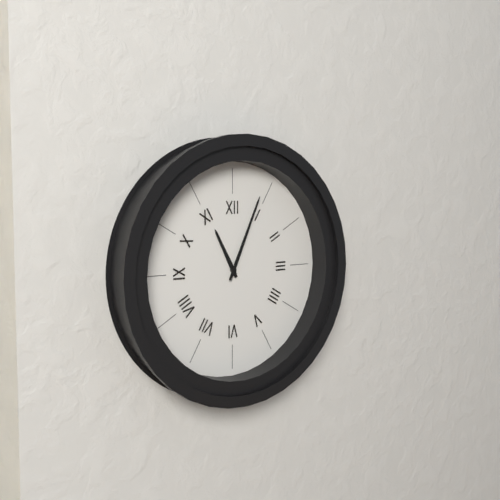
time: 11:04
